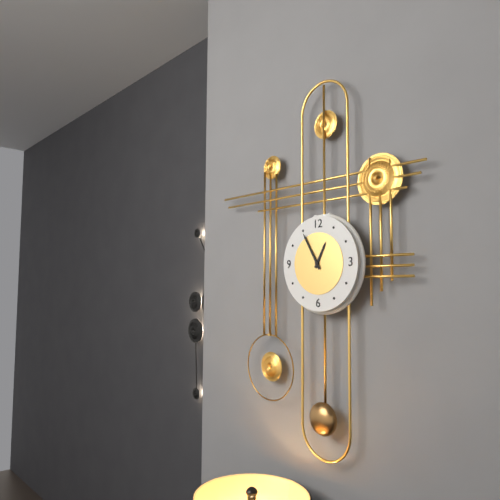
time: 12:55
